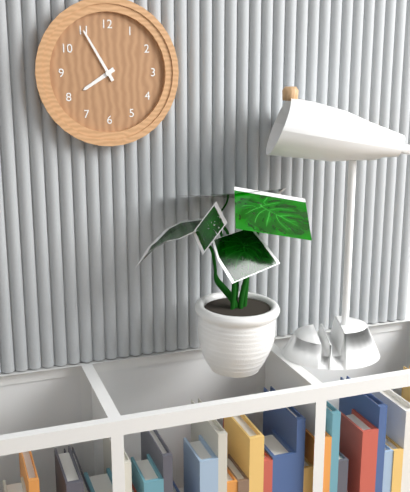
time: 7:55
